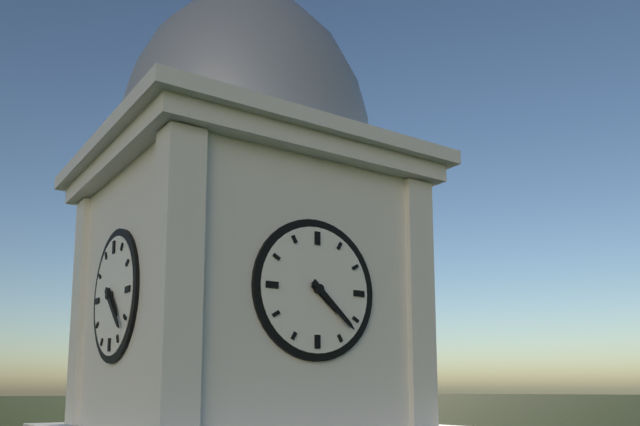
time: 4:22
